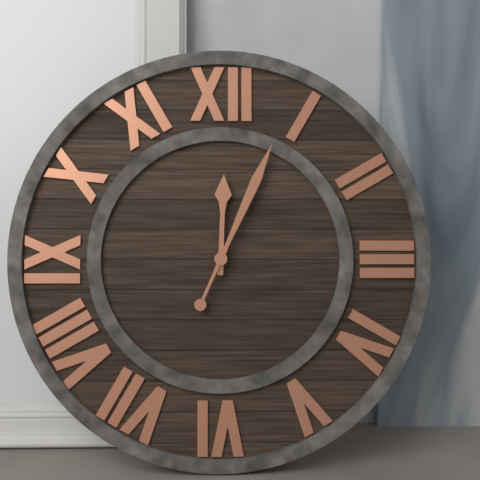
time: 12:04
